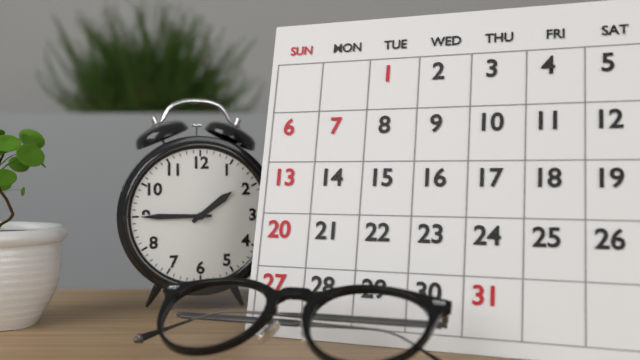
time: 1:45
